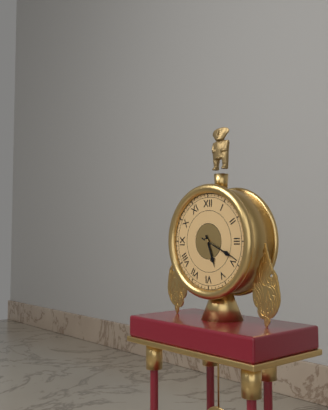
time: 5:19
